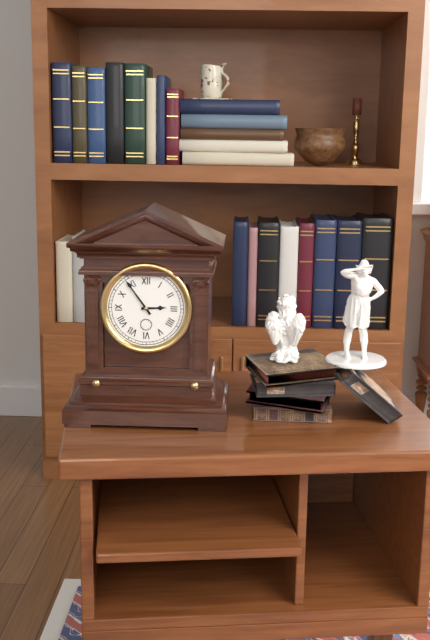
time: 2:54
